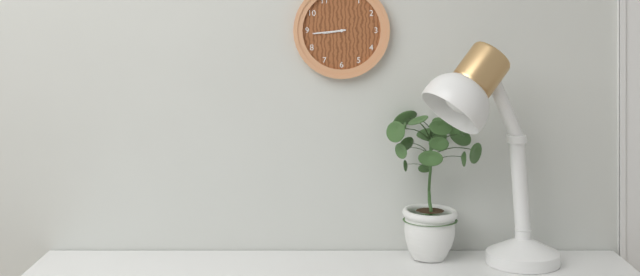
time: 8:44
